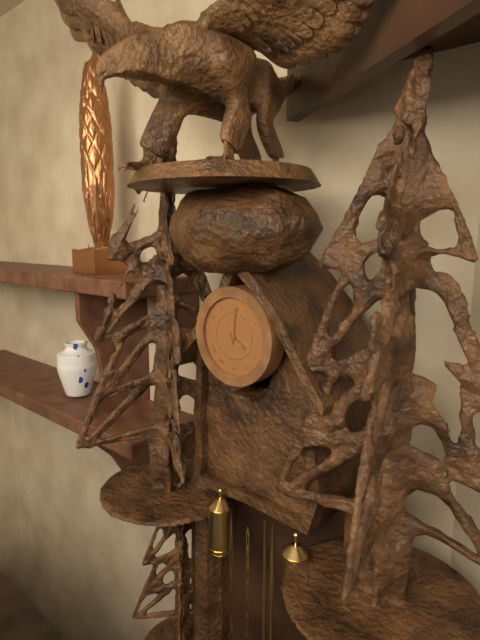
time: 4:01
